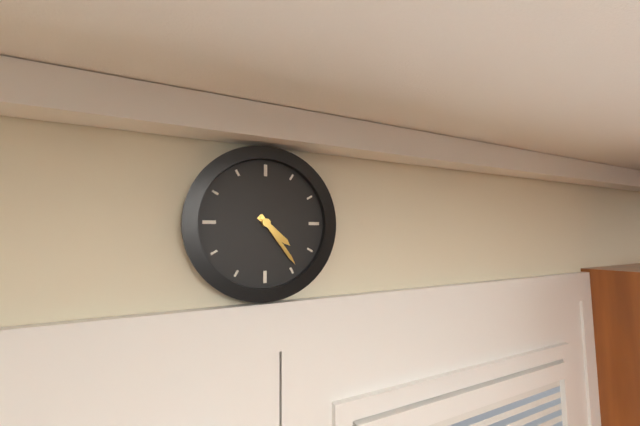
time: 4:24
